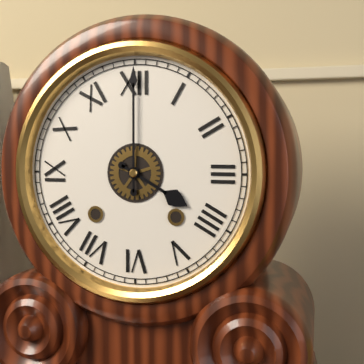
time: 4:00
